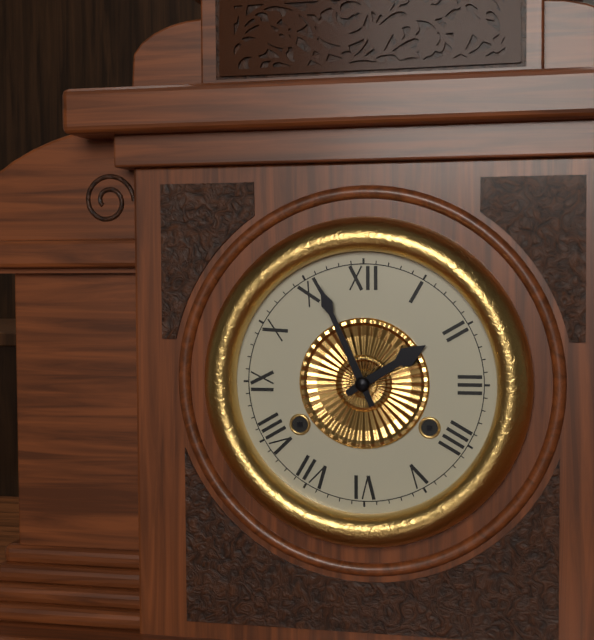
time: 1:56
